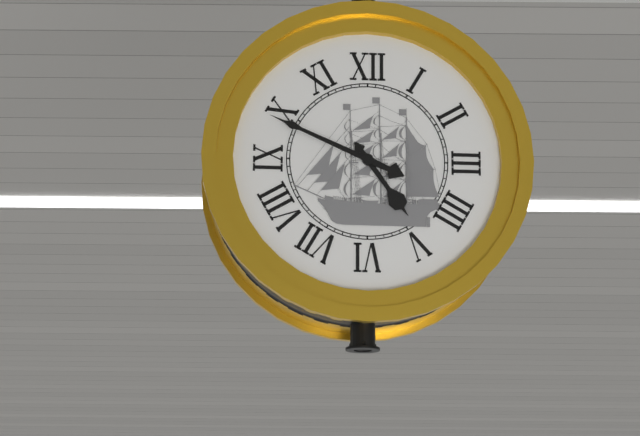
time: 4:49
